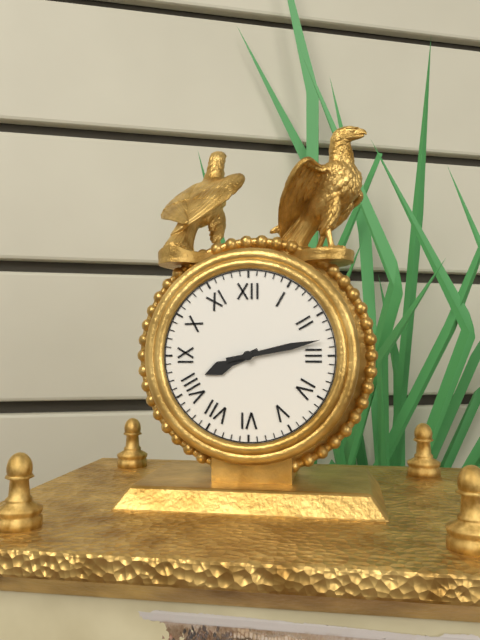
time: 8:13
